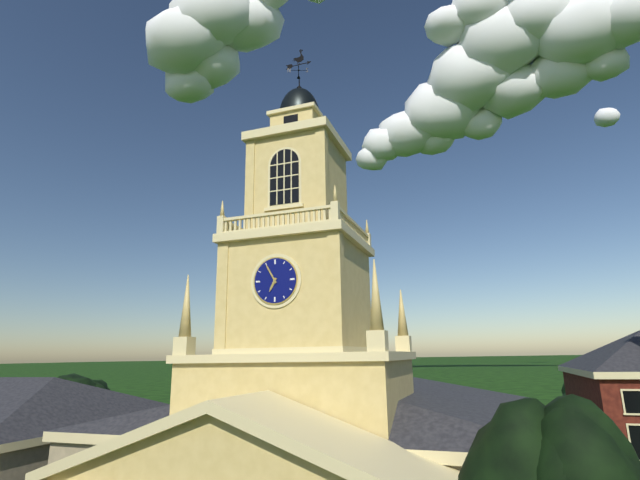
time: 6:55
